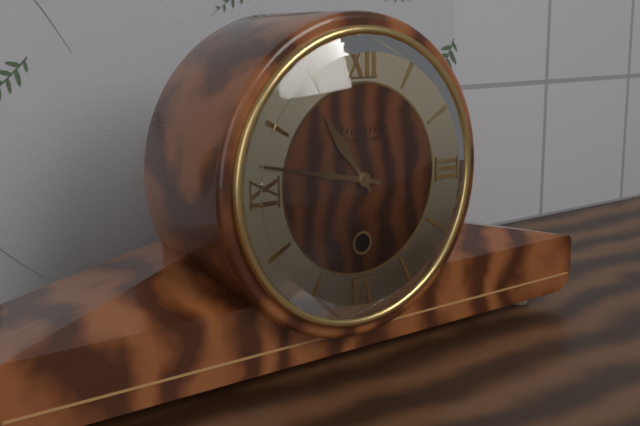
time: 10:47
